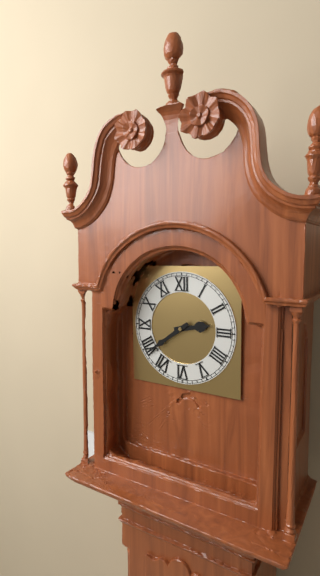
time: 2:39
